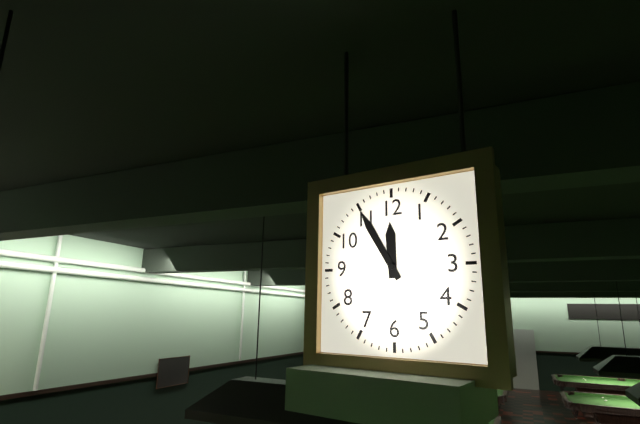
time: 11:55
